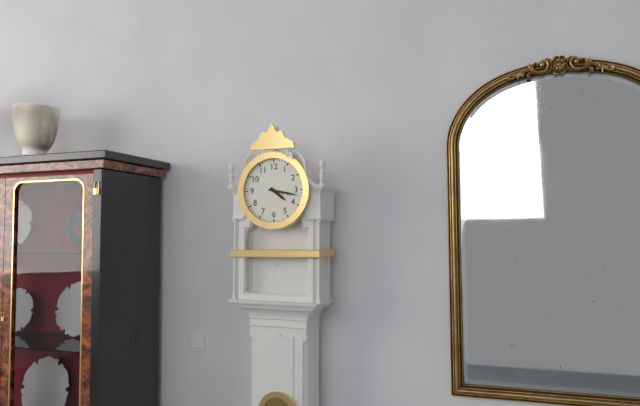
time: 4:17
